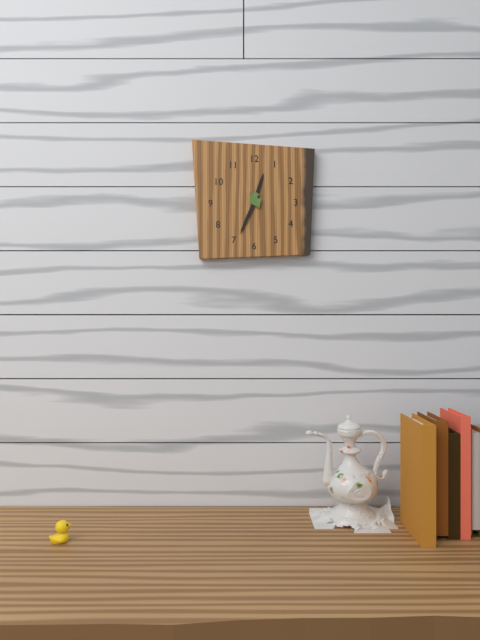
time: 12:34
